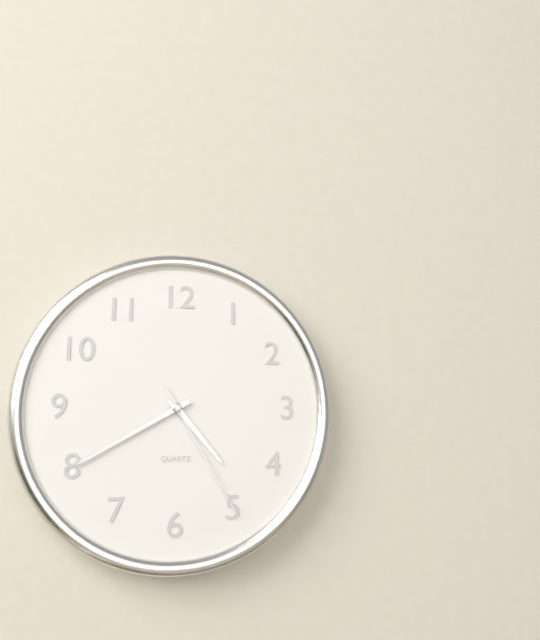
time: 4:40:25
